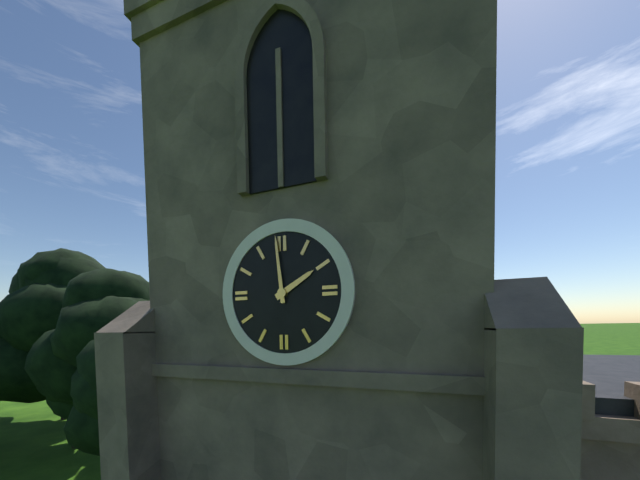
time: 1:59
